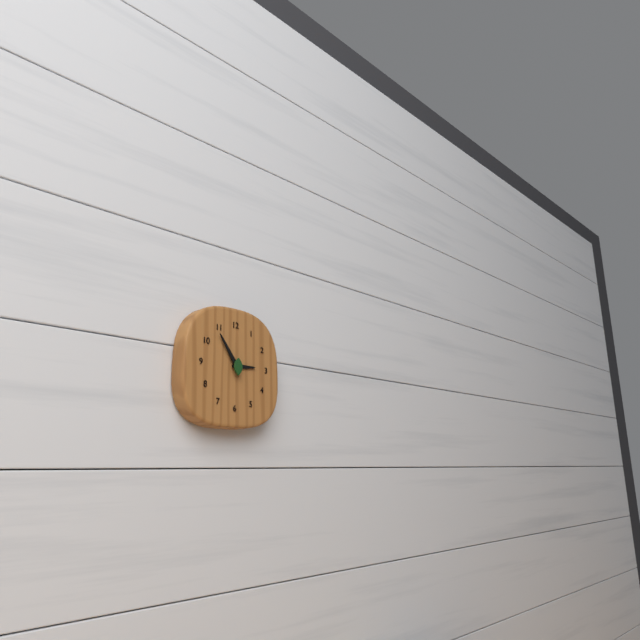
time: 2:54
